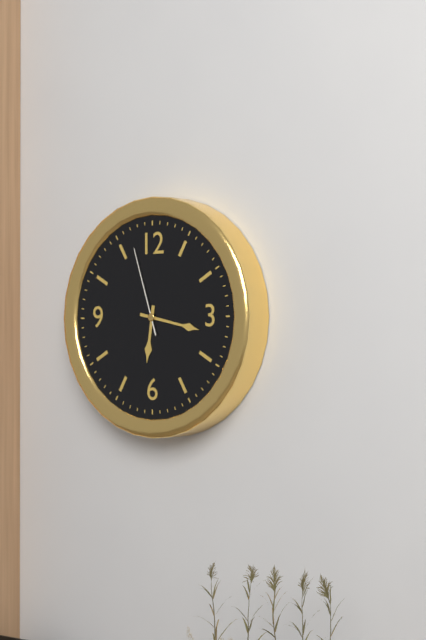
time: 6:17:57
